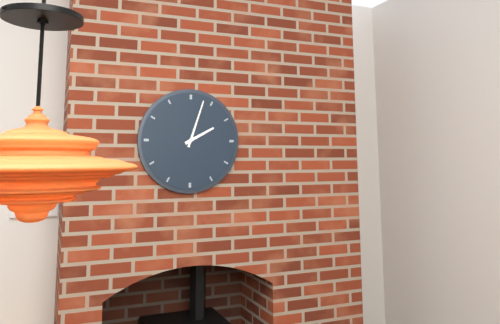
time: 2:03
